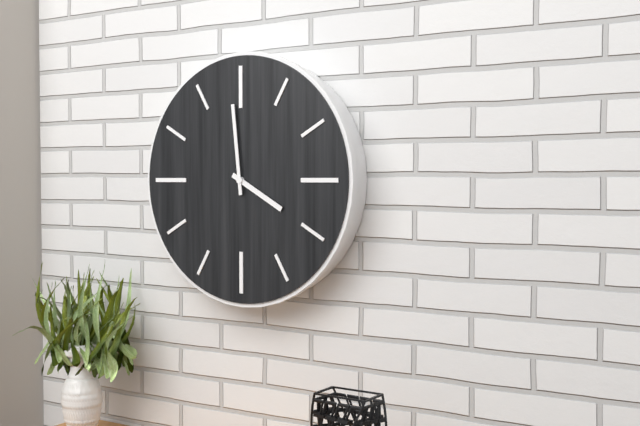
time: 3:59
